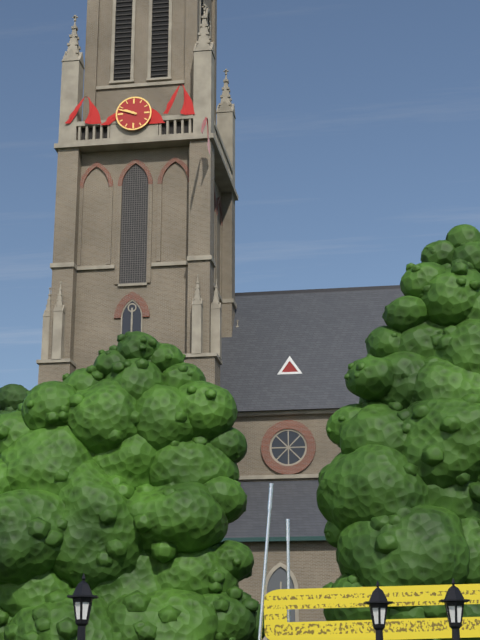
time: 9:48
